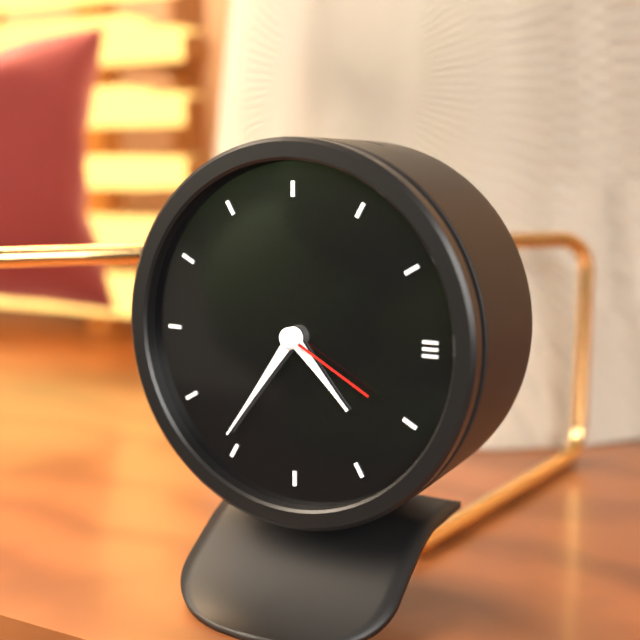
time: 4:36:20
